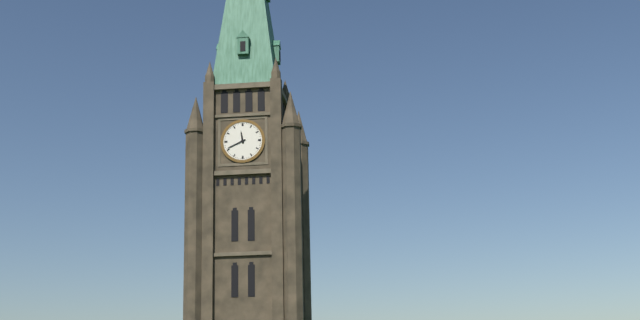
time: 11:41
